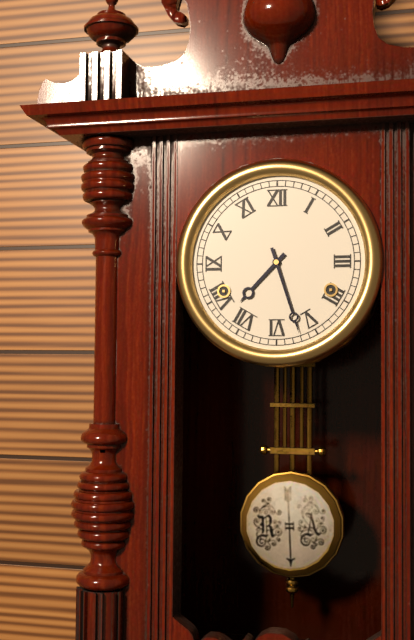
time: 7:27
